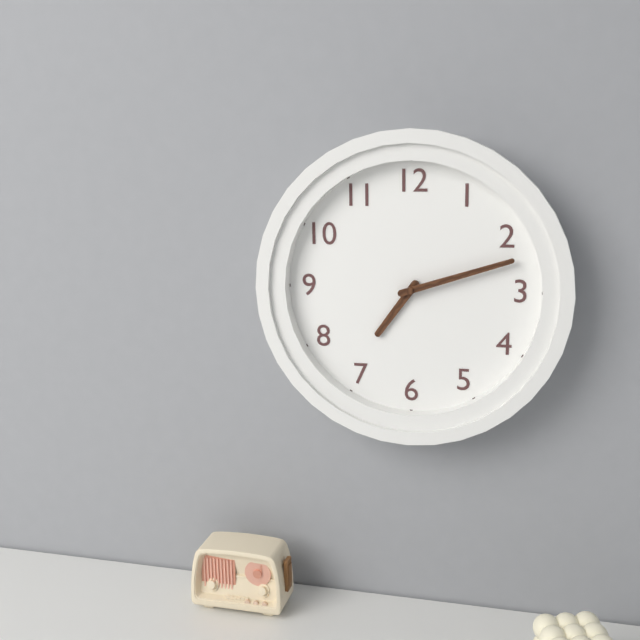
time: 7:12
